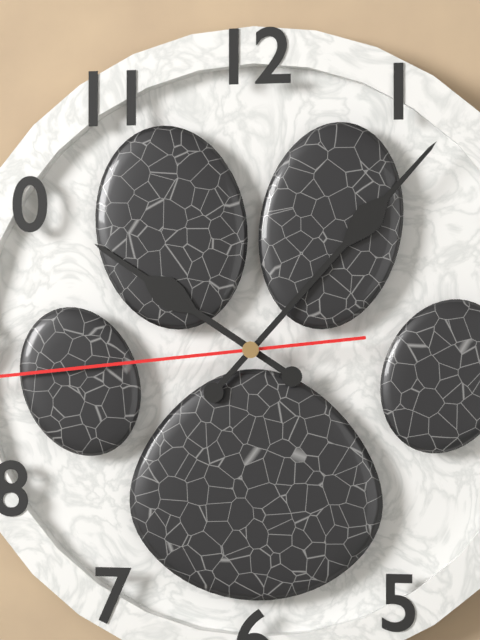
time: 10:07
